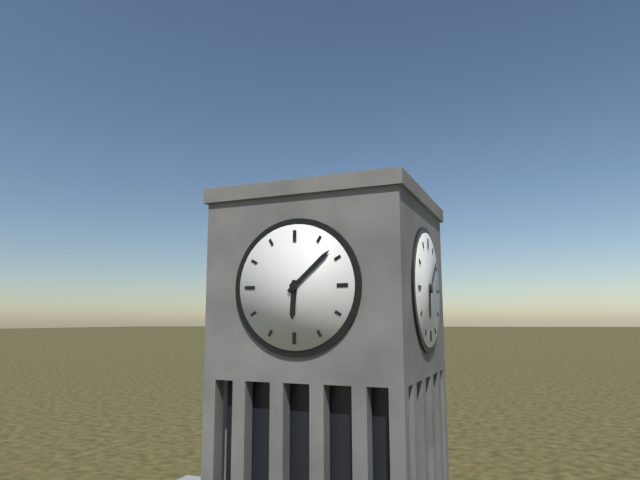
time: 6:08
